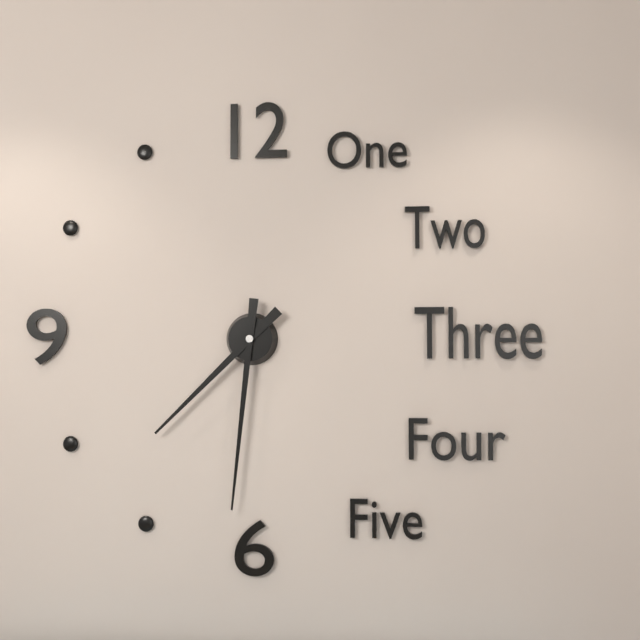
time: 7:31
